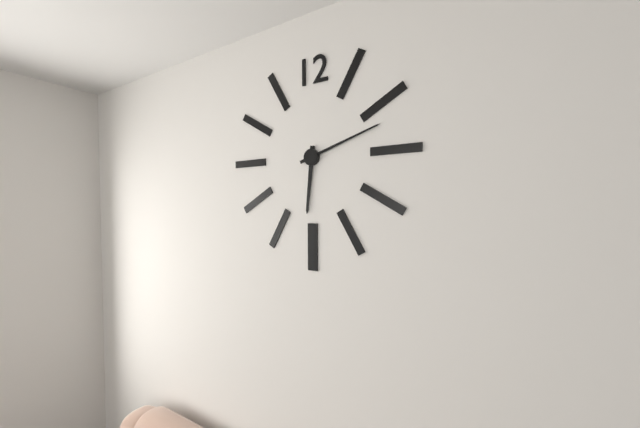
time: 6:12
